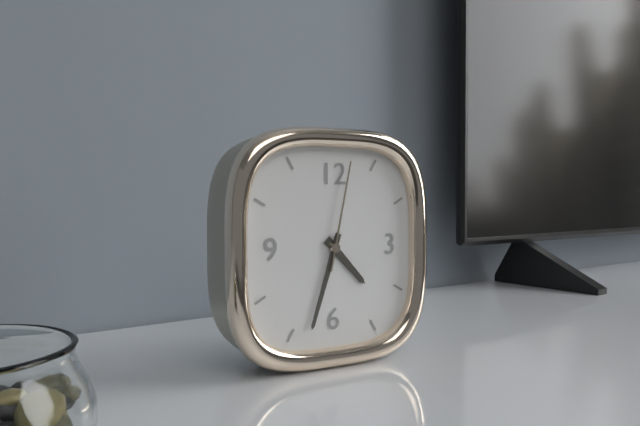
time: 4:33:02
